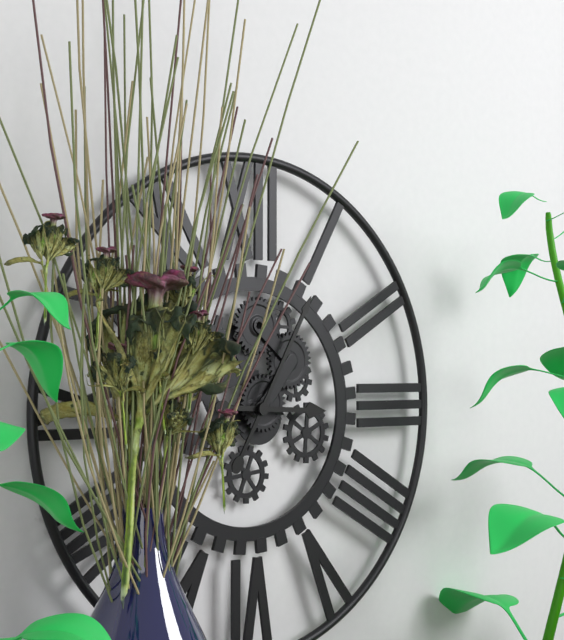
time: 3:05
